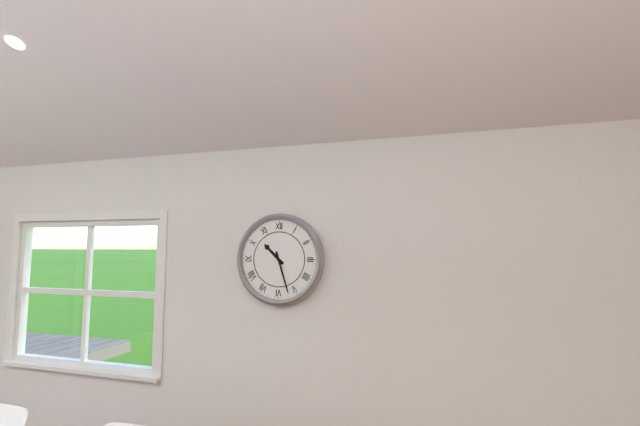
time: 10:27
